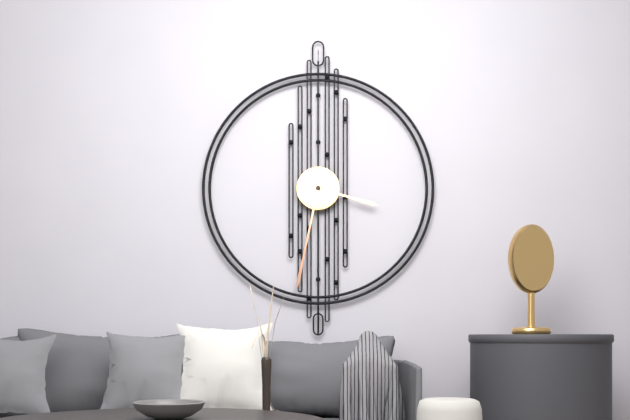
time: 3:32
